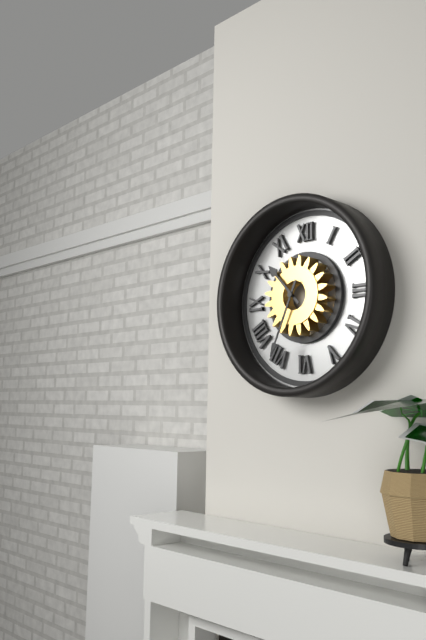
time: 10:34
